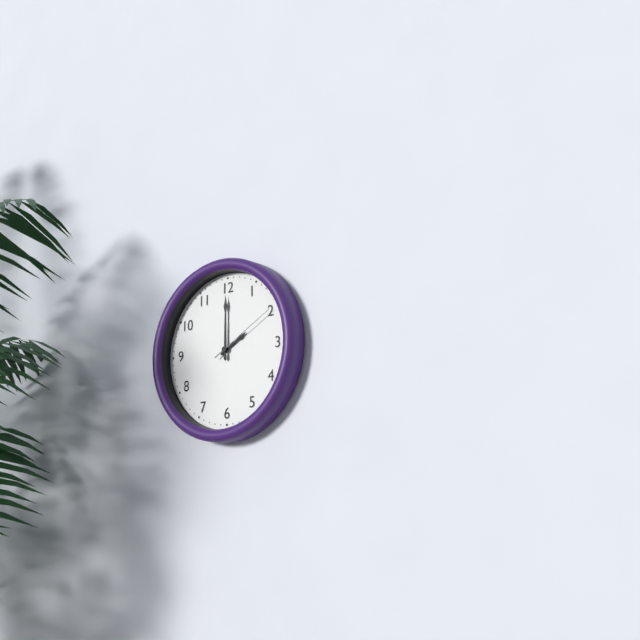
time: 2:00:10
